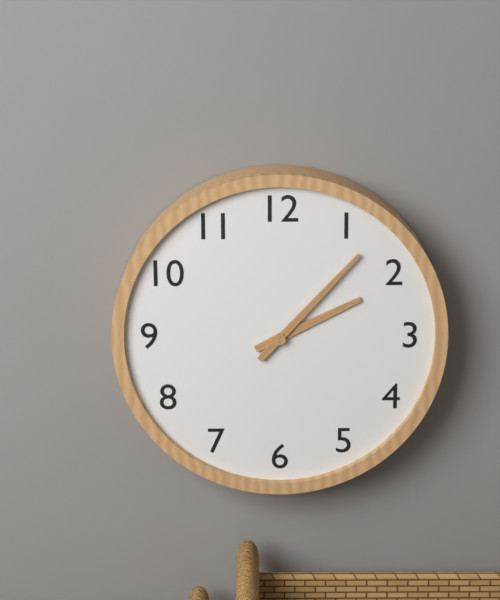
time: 2:07
